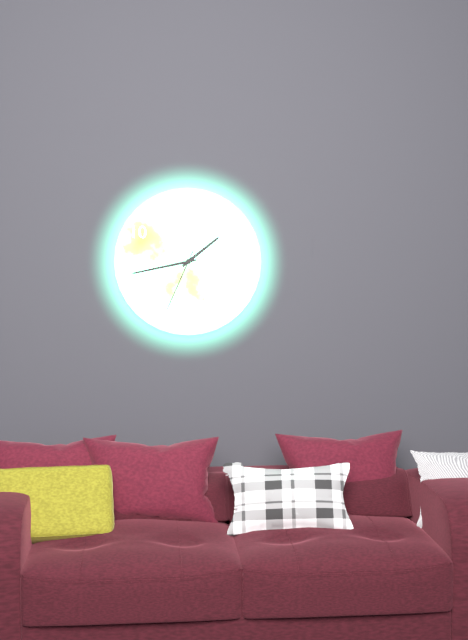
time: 1:43:34
